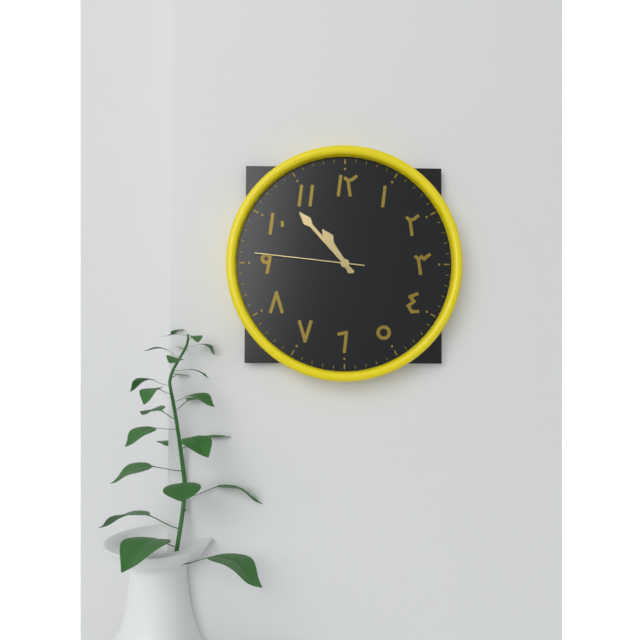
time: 10:53:46
